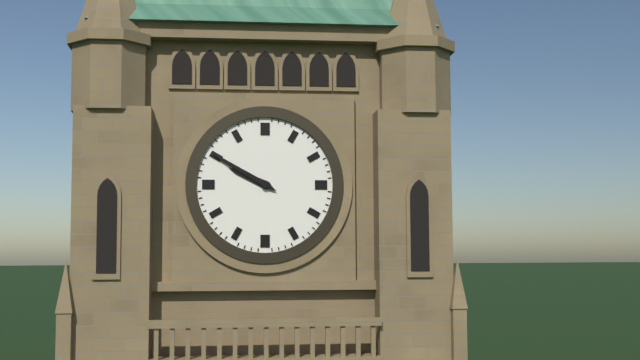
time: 9:50
